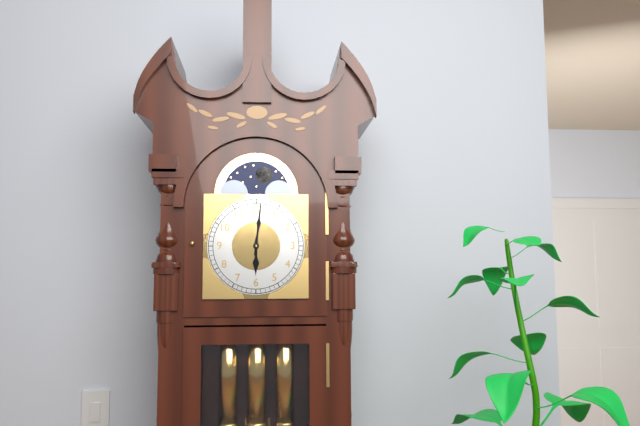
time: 6:01
